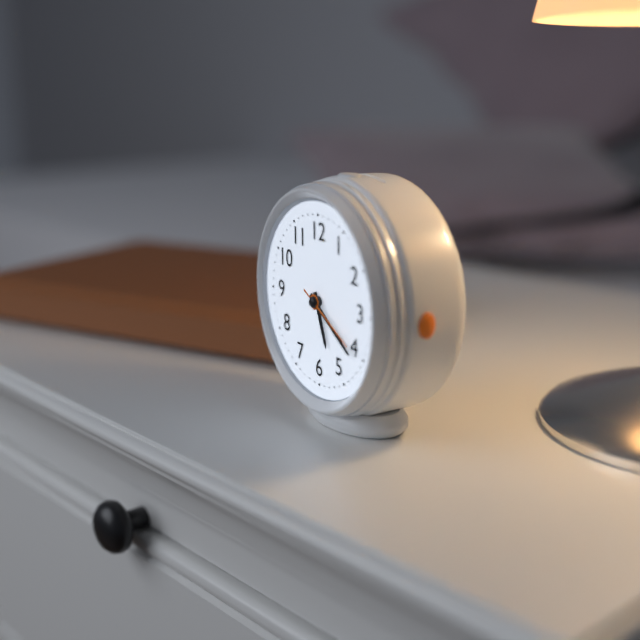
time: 5:21:20
